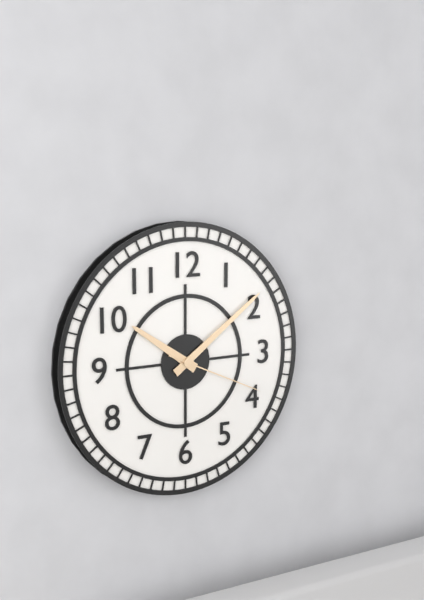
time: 10:09:19
